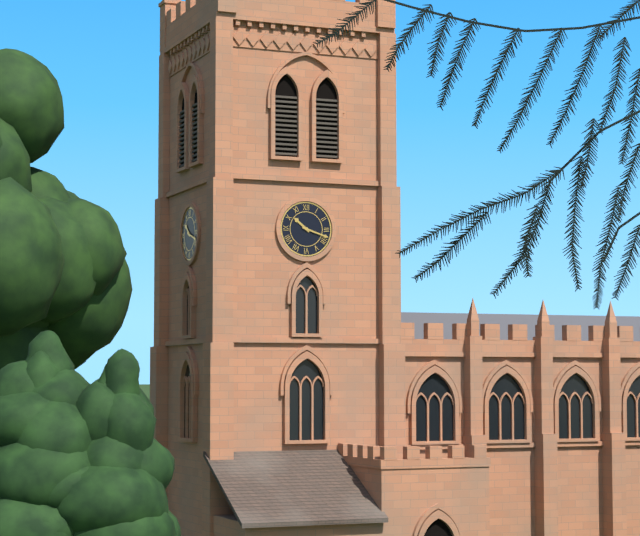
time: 10:18
